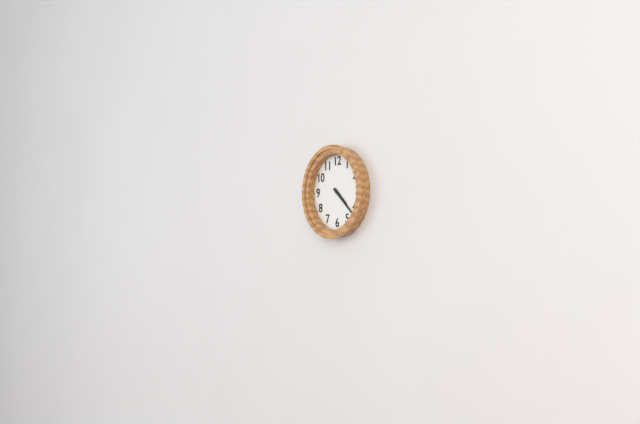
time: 4:22
